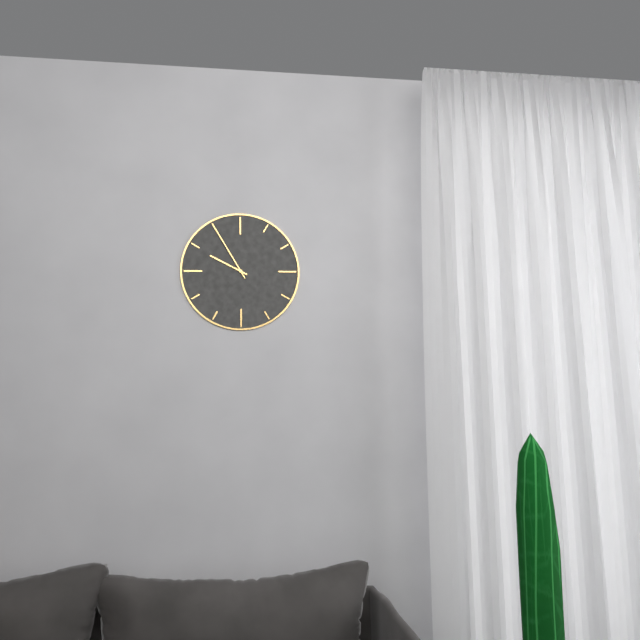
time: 9:55
